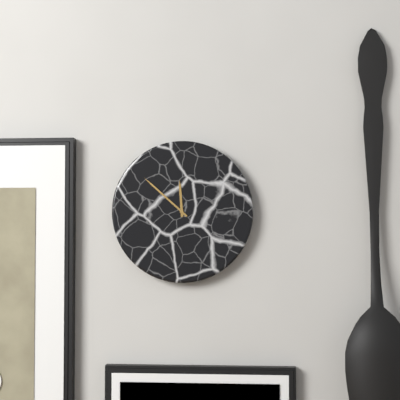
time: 11:52
